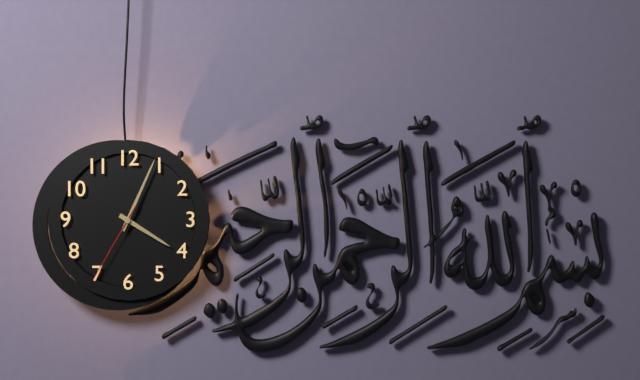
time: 4:04:35
